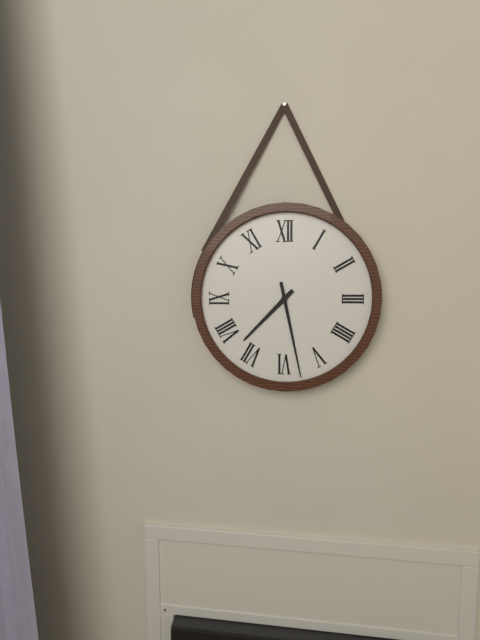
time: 7:28
